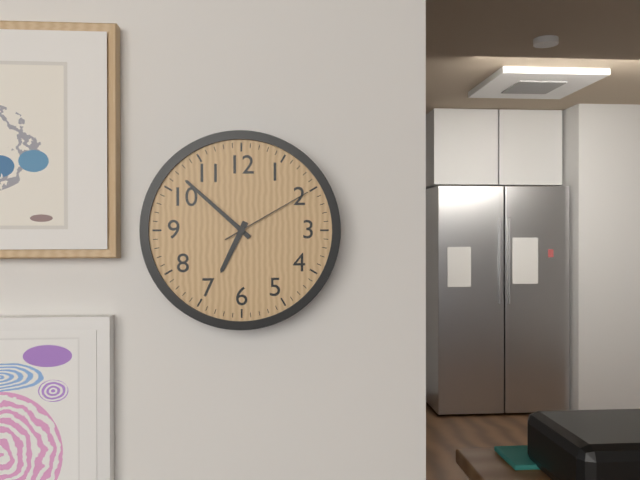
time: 6:52:10
